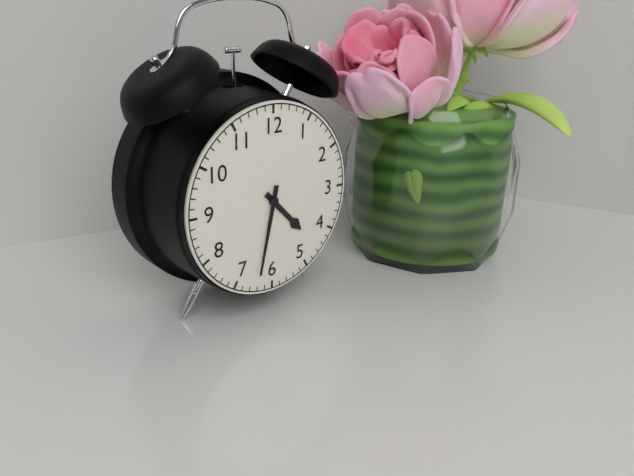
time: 4:32
